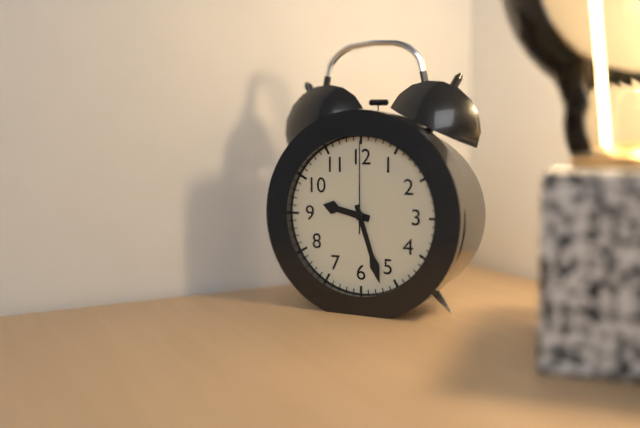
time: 9:27:00
